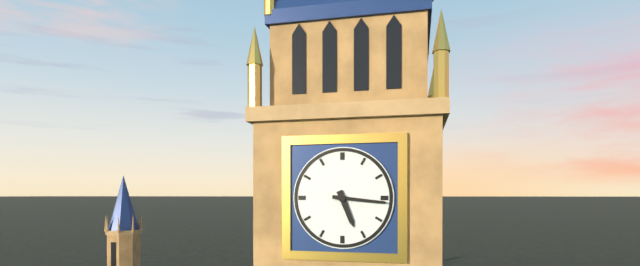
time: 5:16
